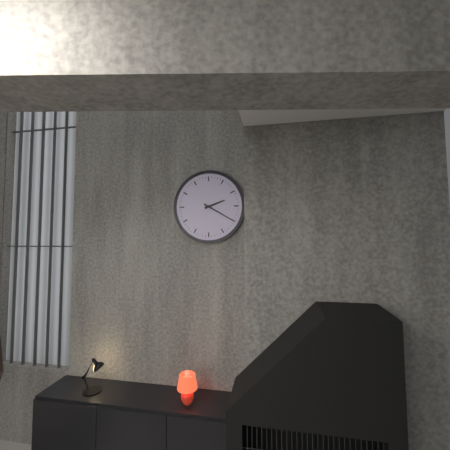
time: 2:20
